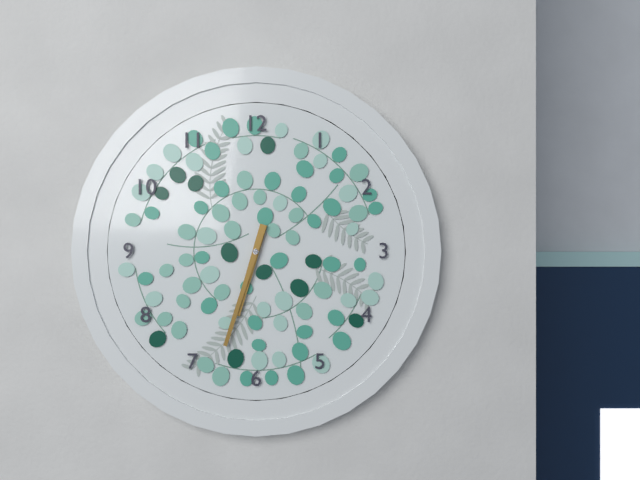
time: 6:33
